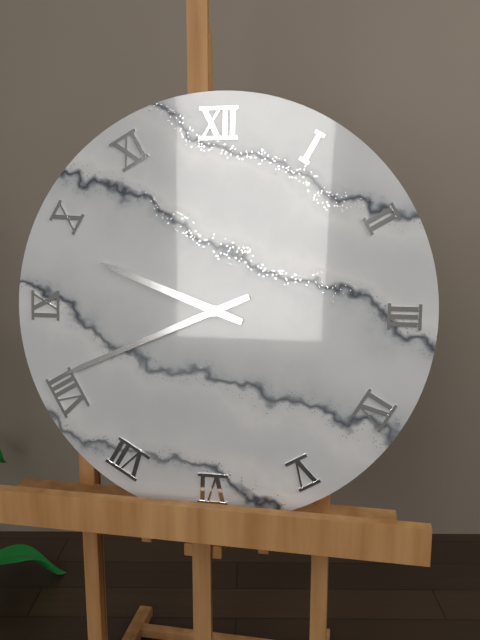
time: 9:41
